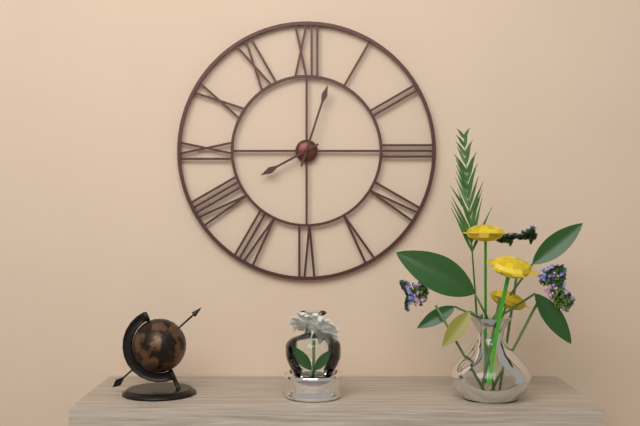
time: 8:03
